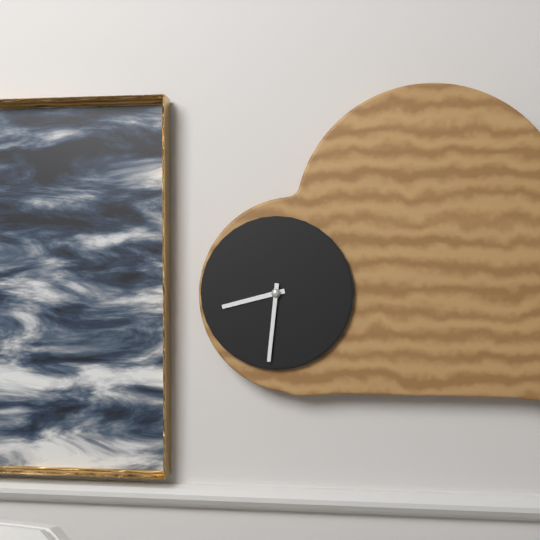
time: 8:31
